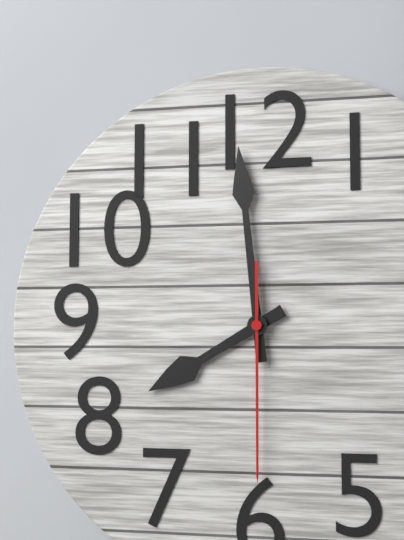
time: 7:59:30
